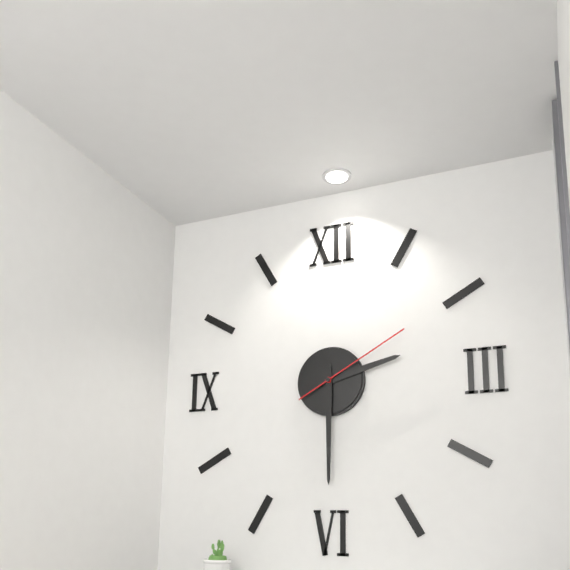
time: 2:30:10
